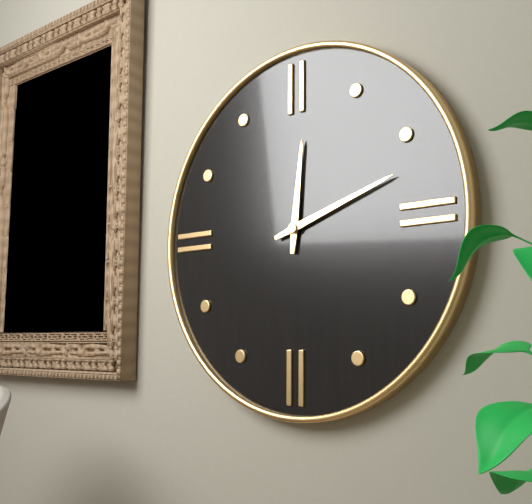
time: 12:12
